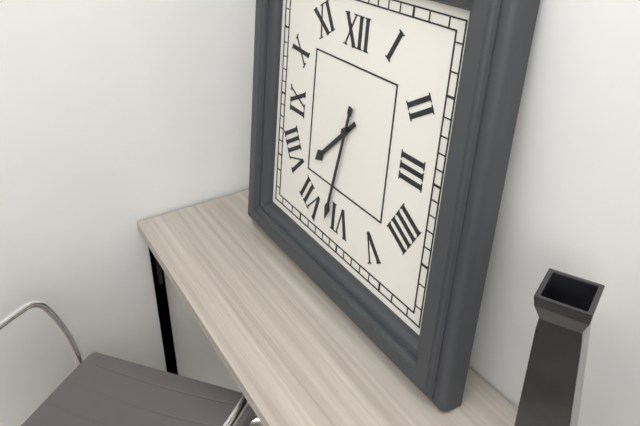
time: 7:32
